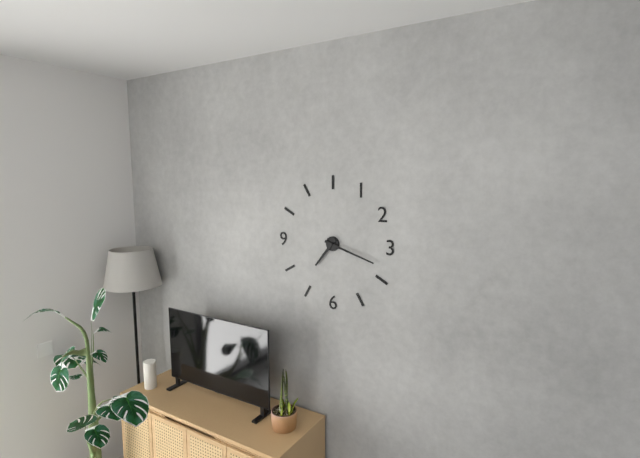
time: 7:18
